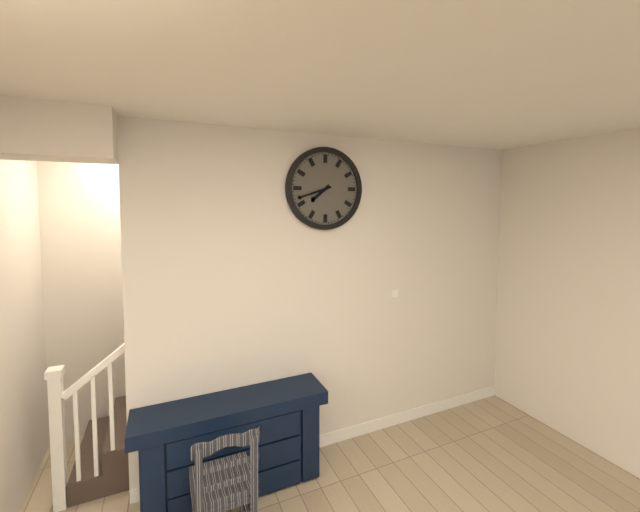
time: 7:42
